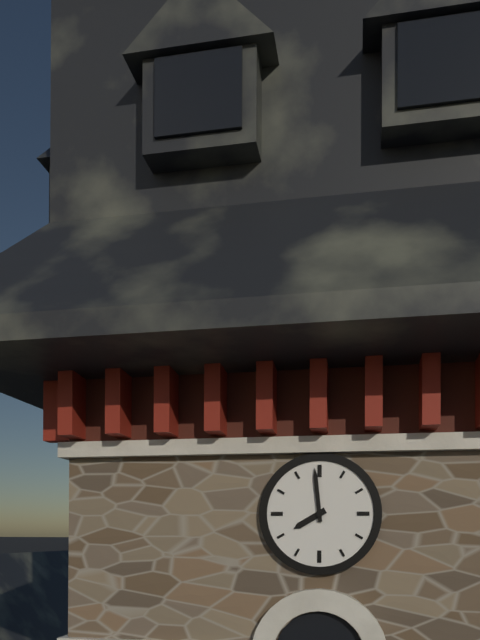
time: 7:59
